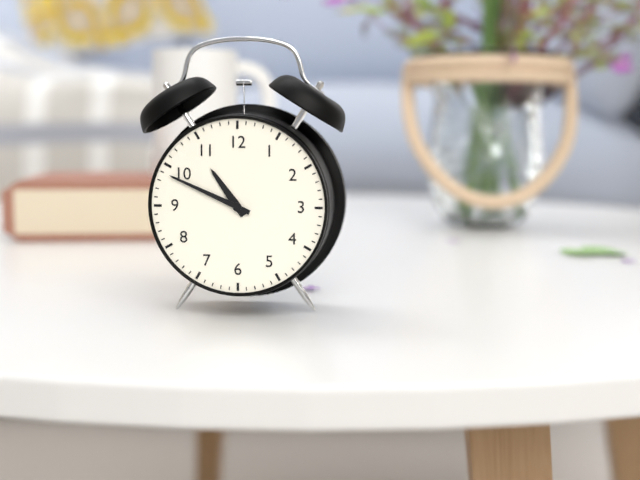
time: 10:49
